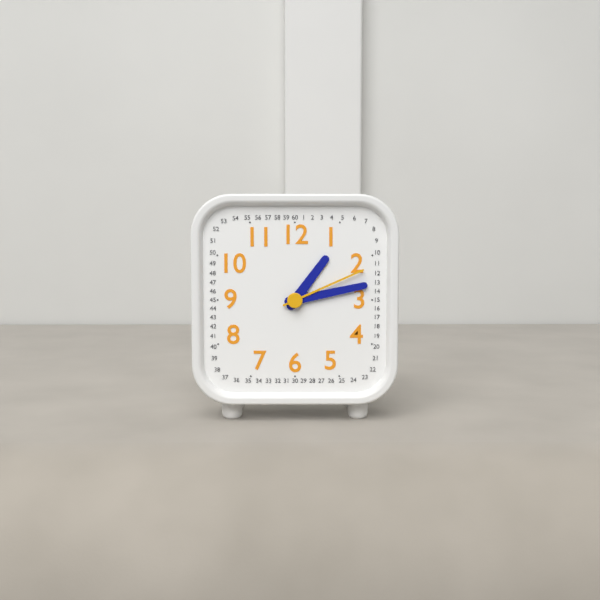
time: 1:13:11
